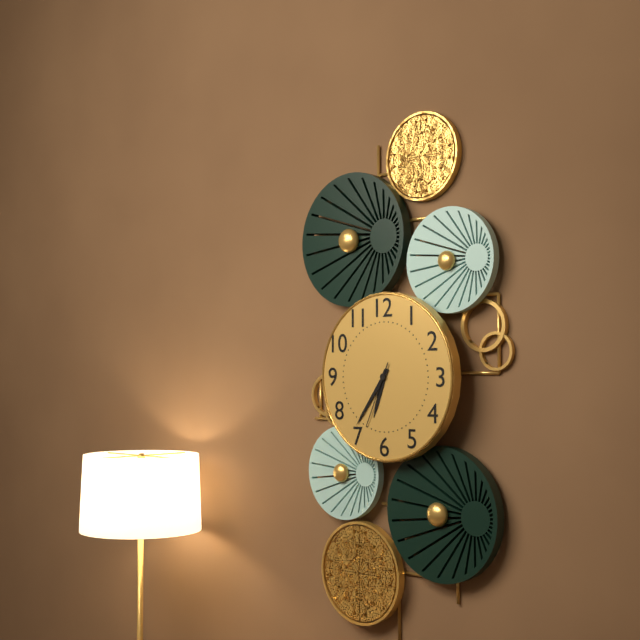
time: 6:36:34
